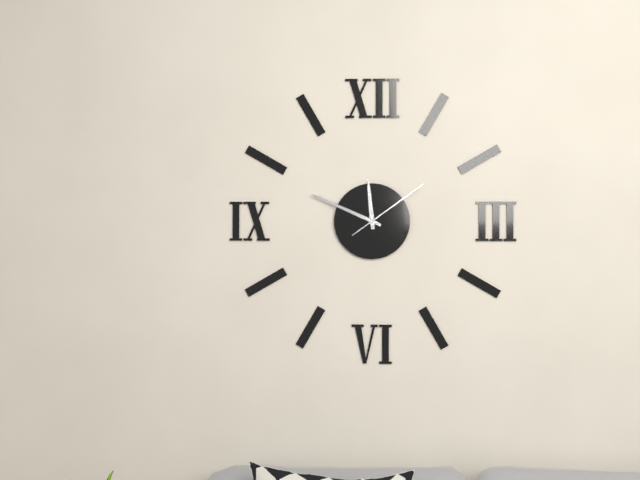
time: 11:49:09
